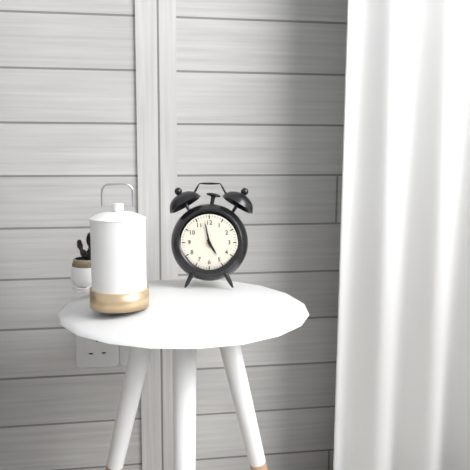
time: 4:58
